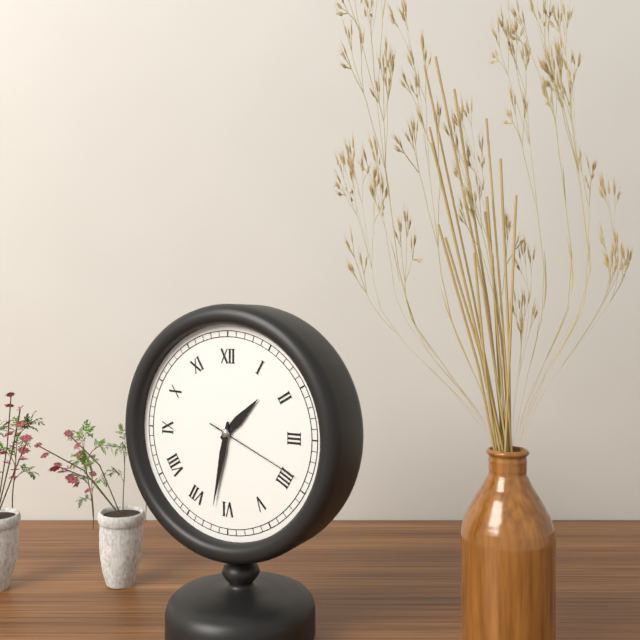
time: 1:32:19
